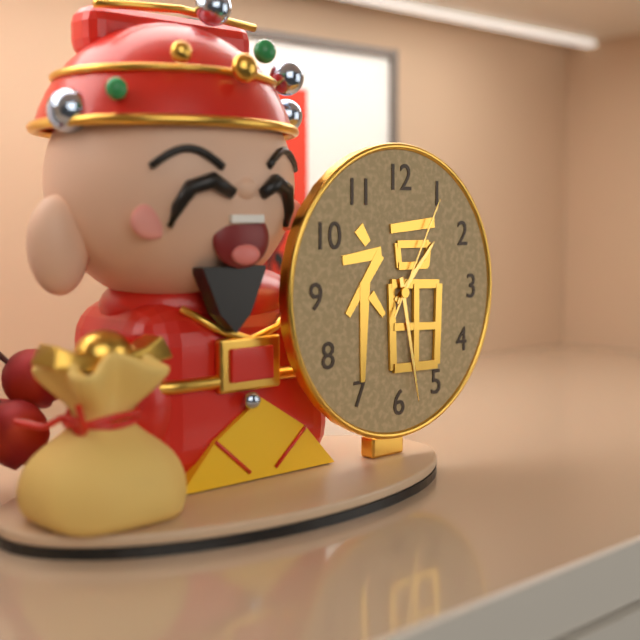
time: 1:28:05
